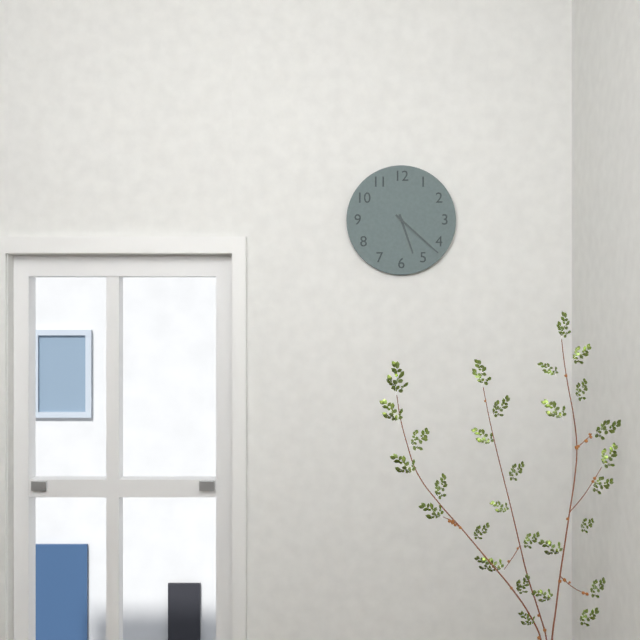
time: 5:22
